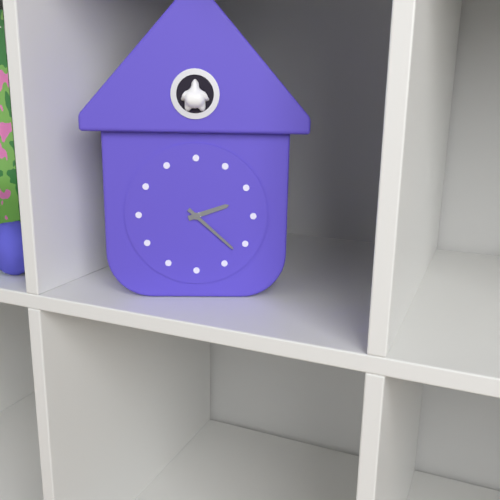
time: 2:22
